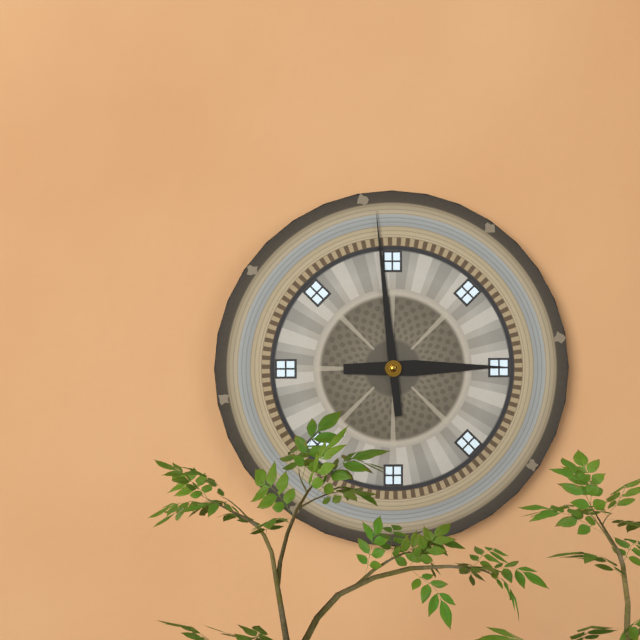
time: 2:59
